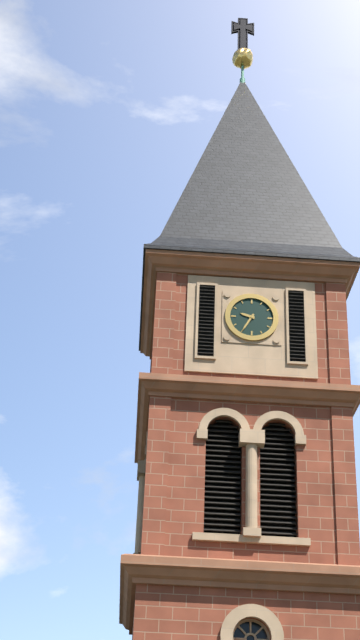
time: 9:35
